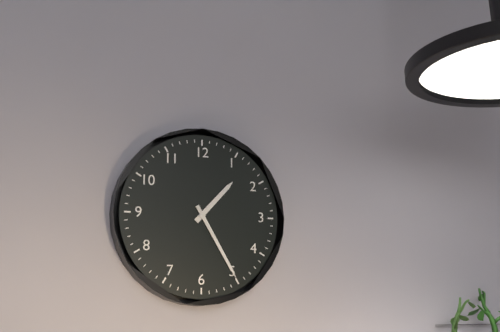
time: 1:25
